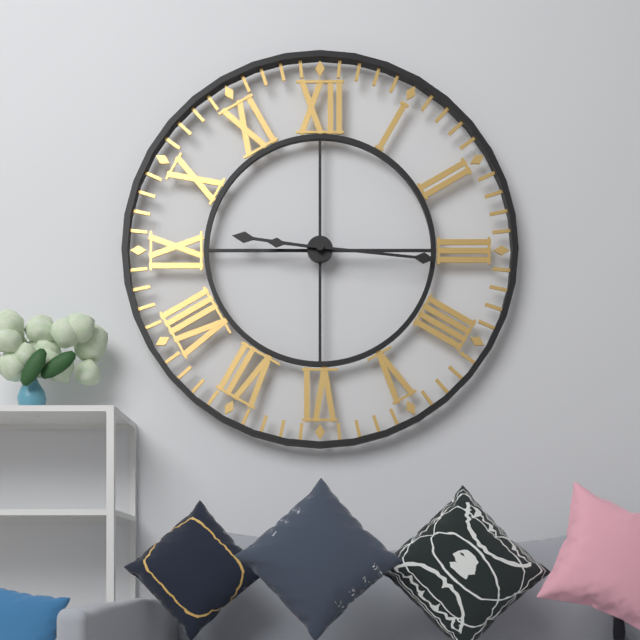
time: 9:16
